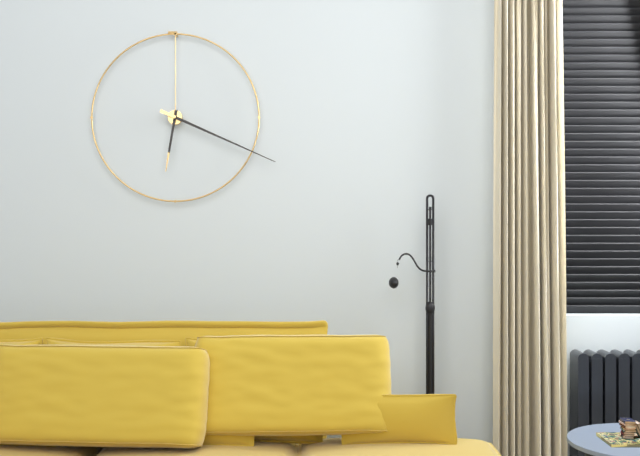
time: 6:19
